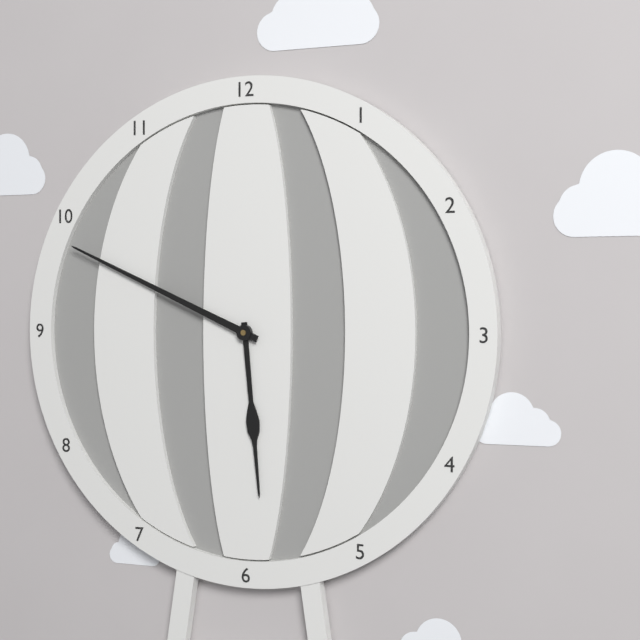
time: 5:49
